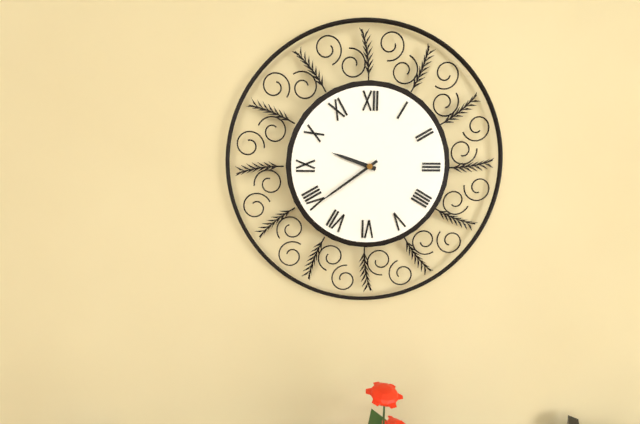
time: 9:39
